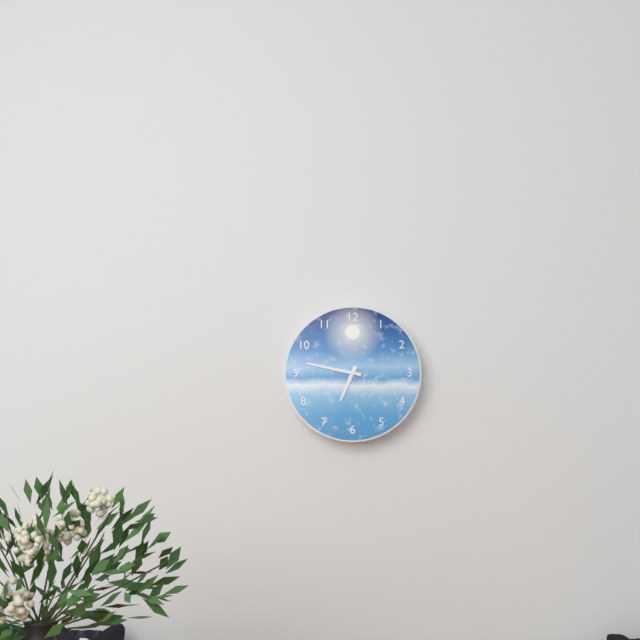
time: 6:47
